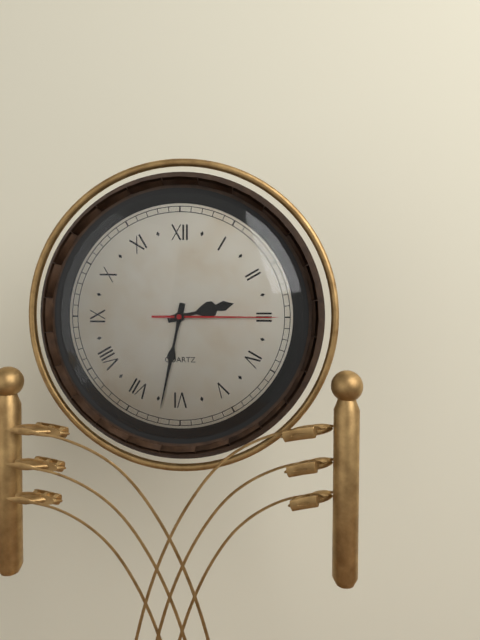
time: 2:32:15
